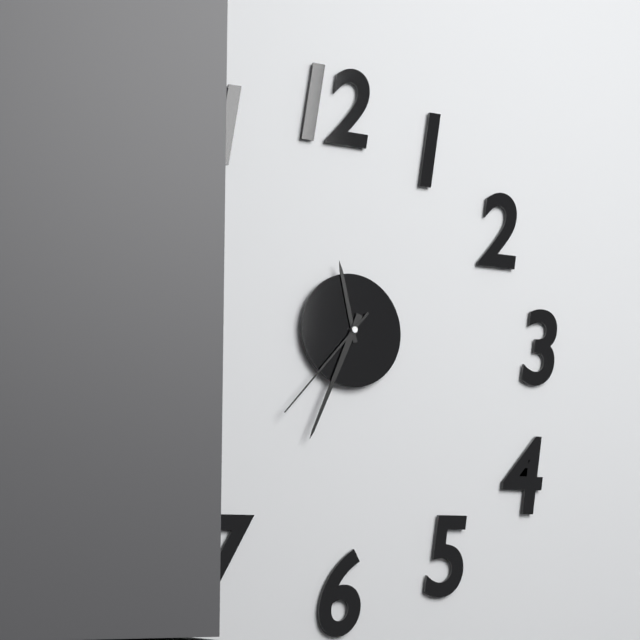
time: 11:34:37
